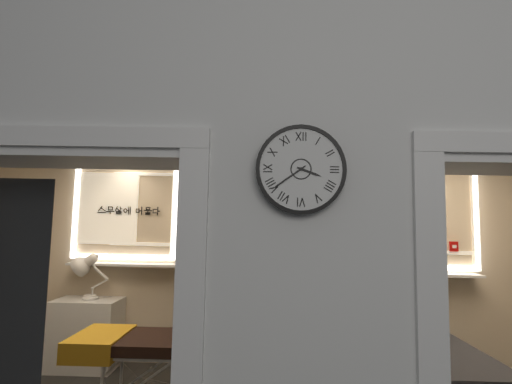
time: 3:39
